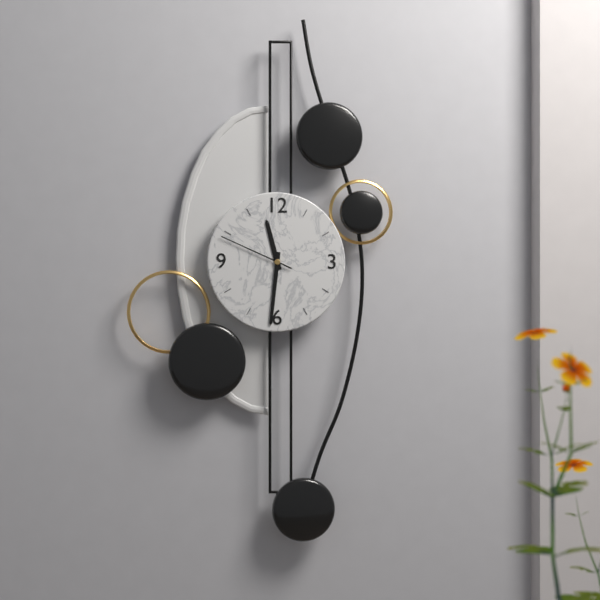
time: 11:31:49
